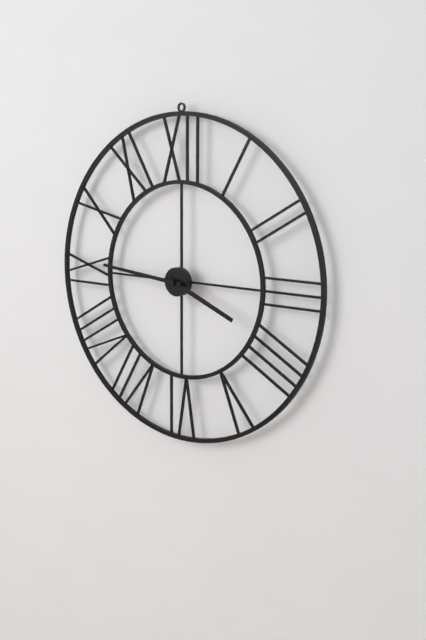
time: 3:46
